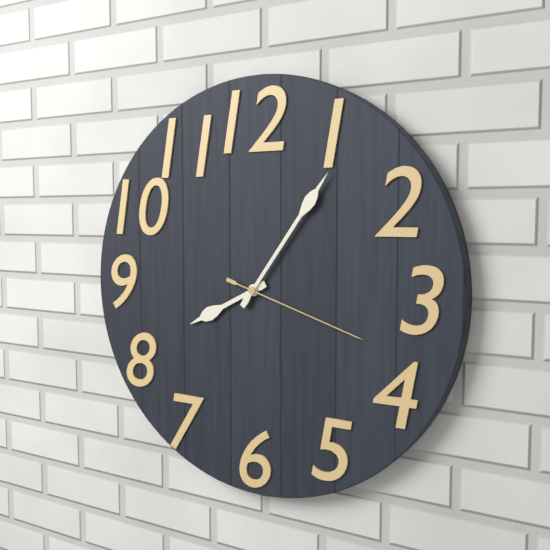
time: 8:06:18
